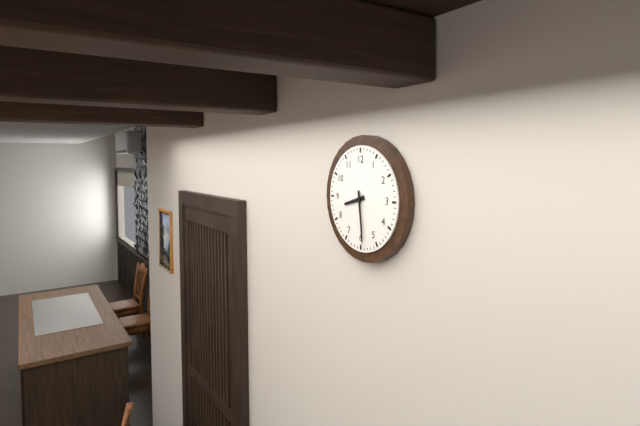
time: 8:29
